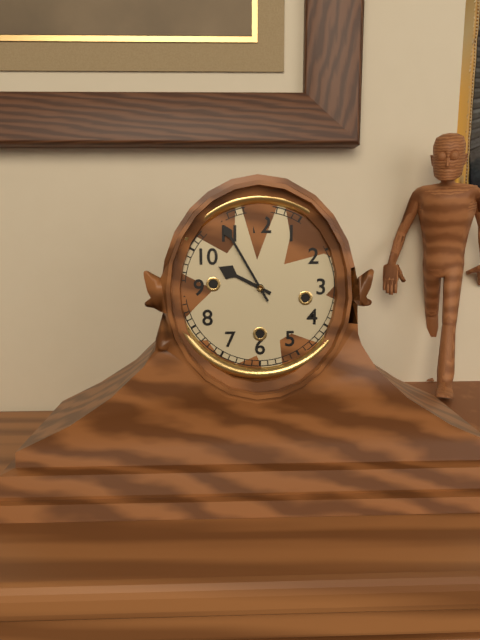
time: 9:55
